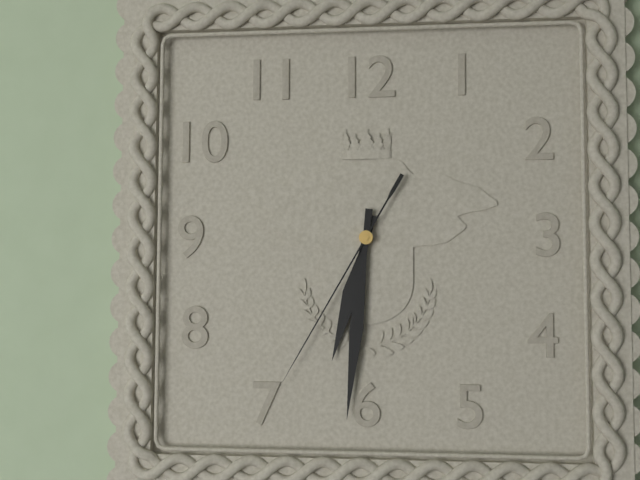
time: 6:31:35
